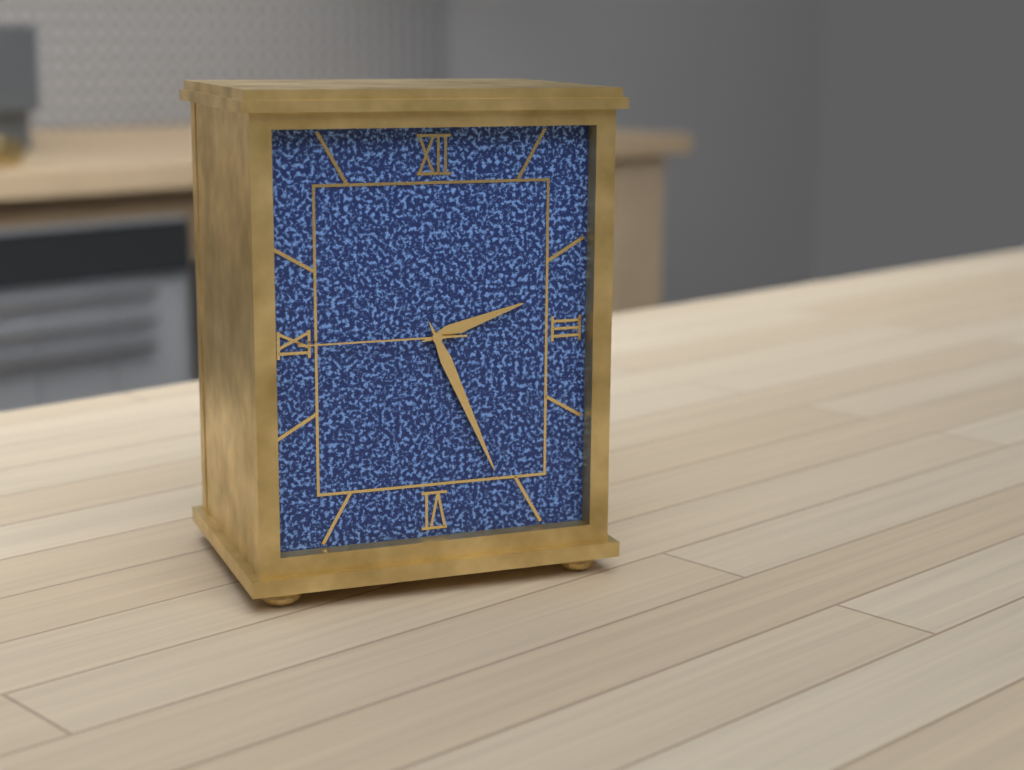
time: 2:26:45
